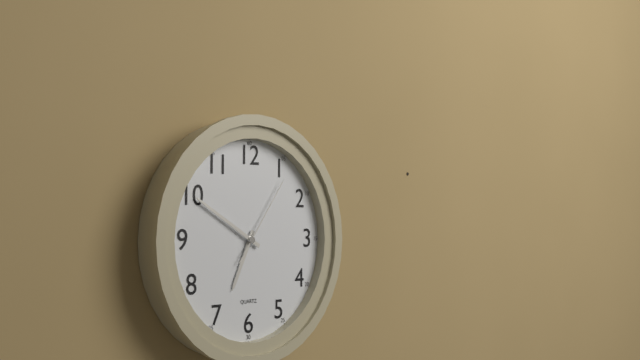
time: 6:50:06
